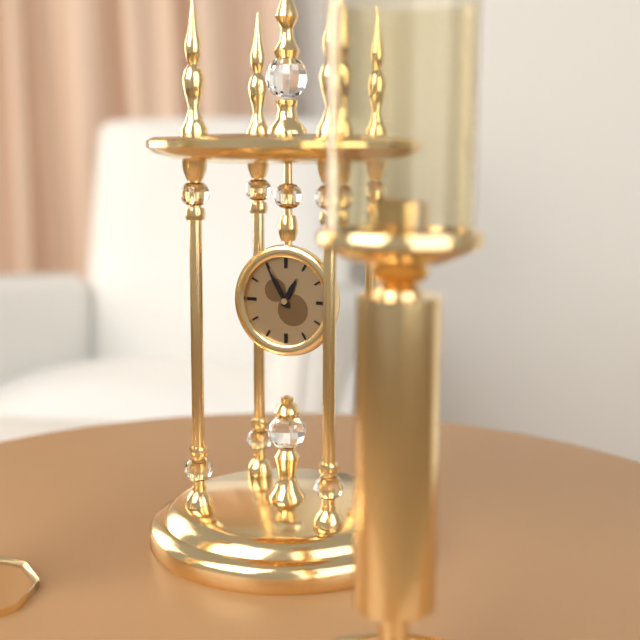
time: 12:55
